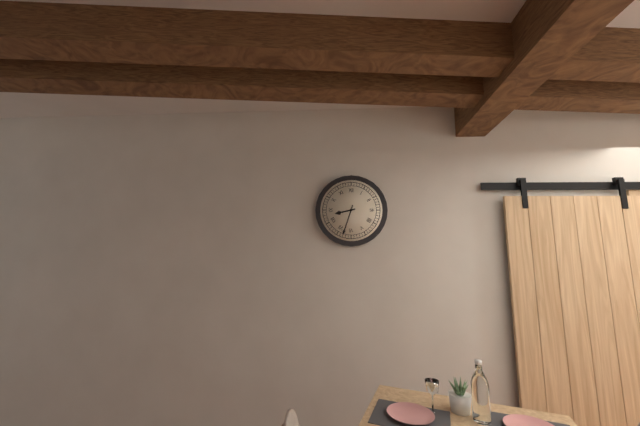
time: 8:33
